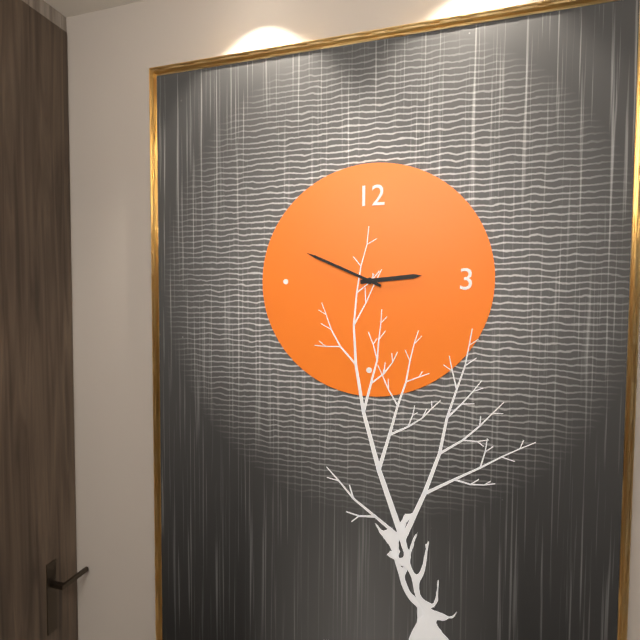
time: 2:49
